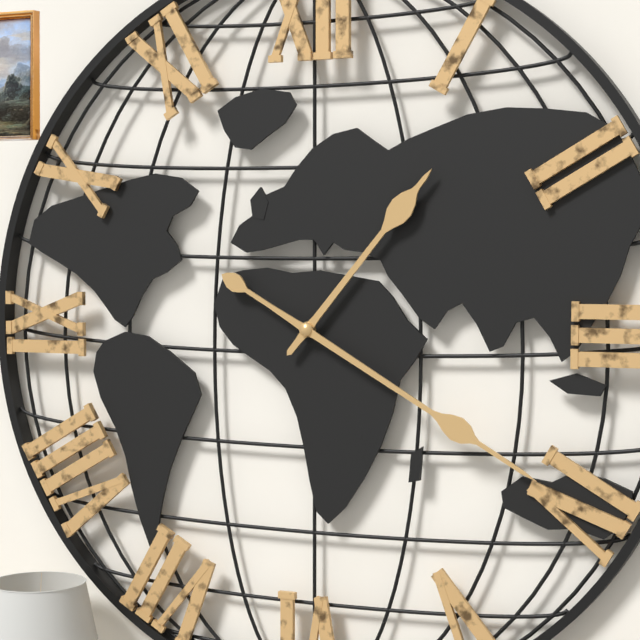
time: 1:20
